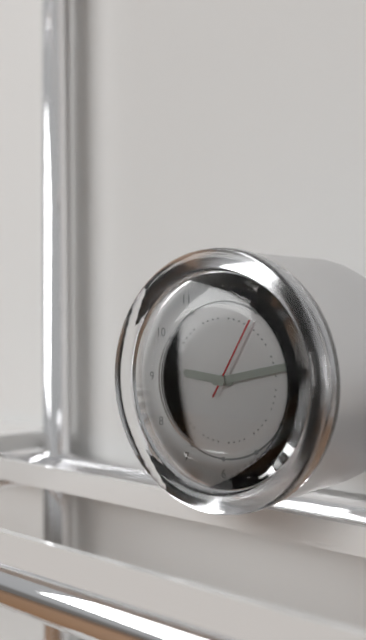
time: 9:13:05
